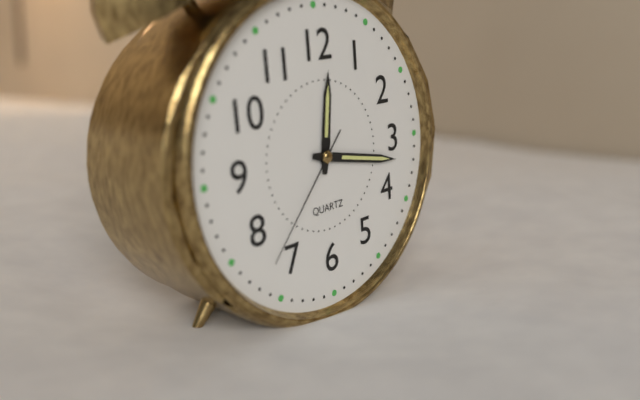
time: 12:17:37
